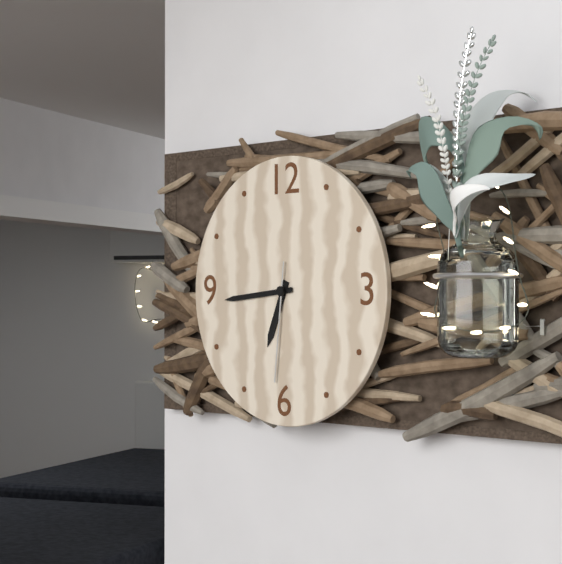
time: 6:44:31
